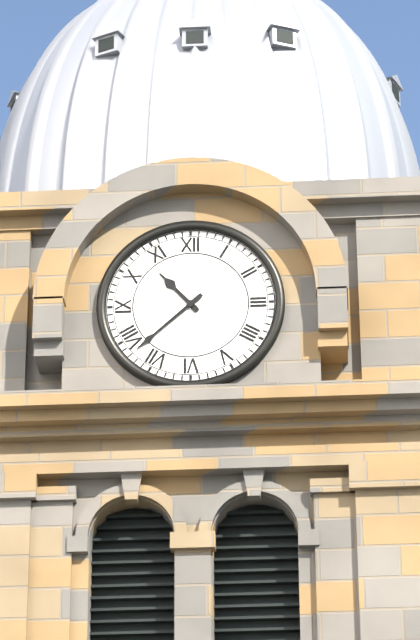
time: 10:38
